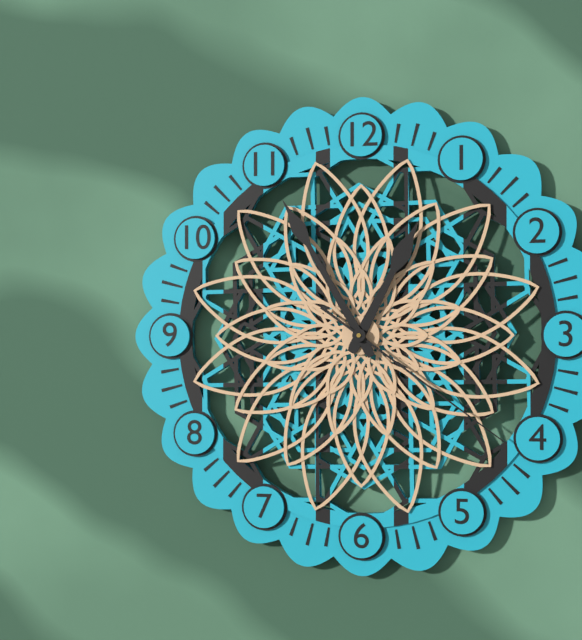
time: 12:55:21
